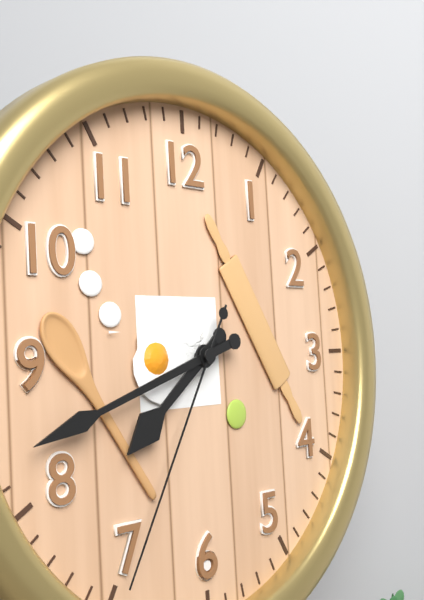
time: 7:42:35
